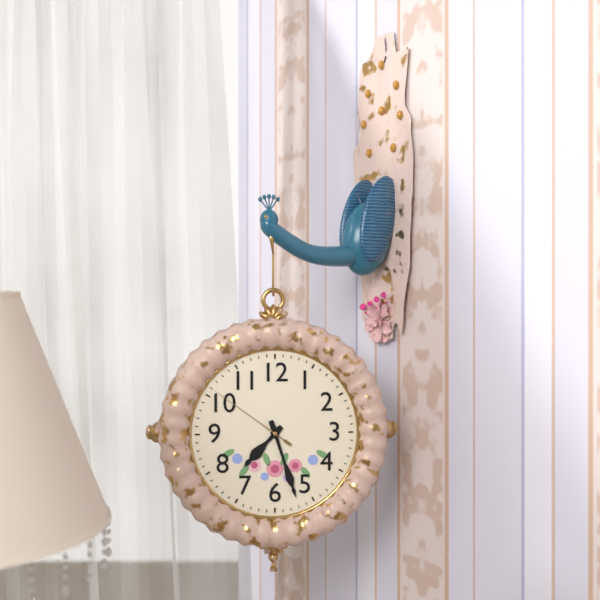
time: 7:27:51
